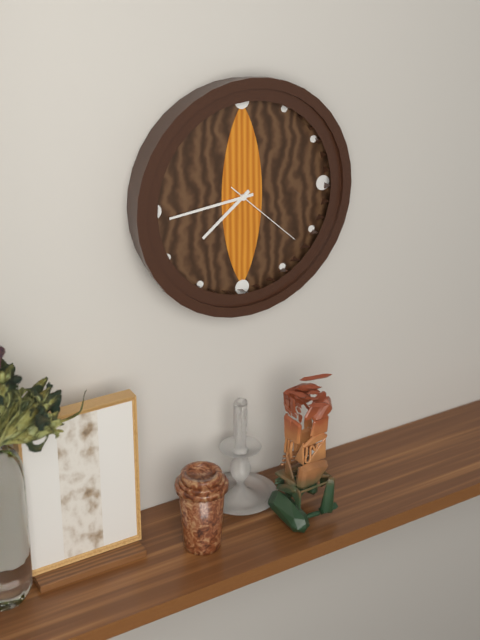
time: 7:44:22
